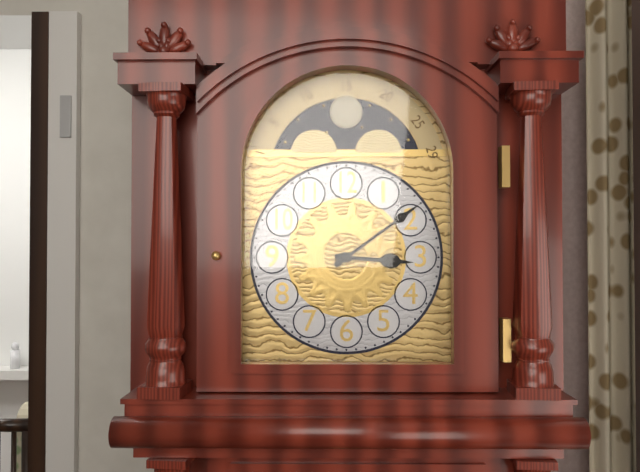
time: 3:09
